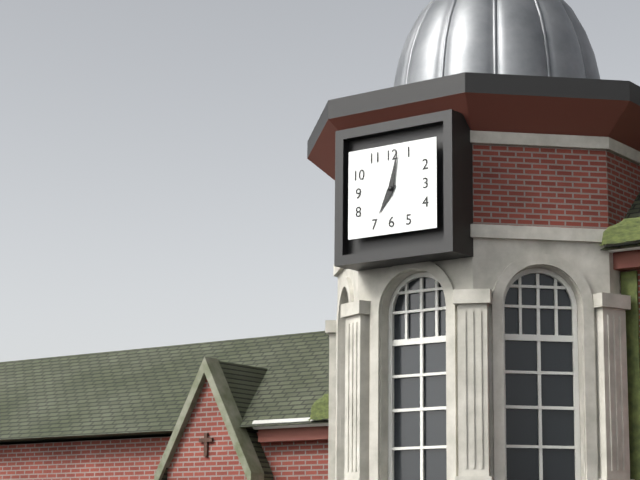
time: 7:02
